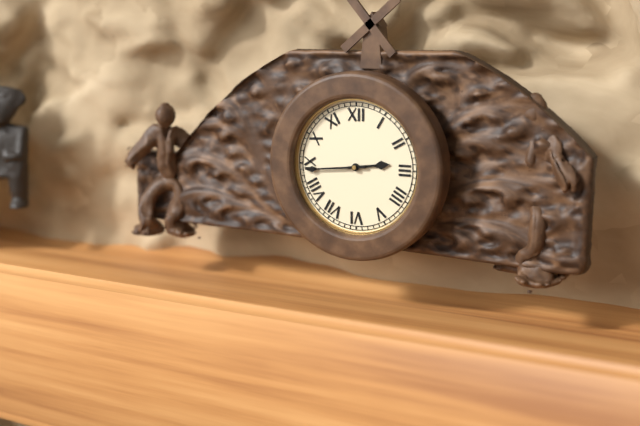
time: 2:44
